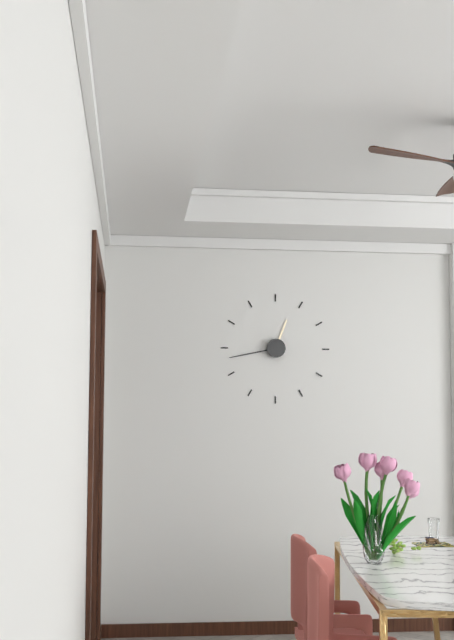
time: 12:43
